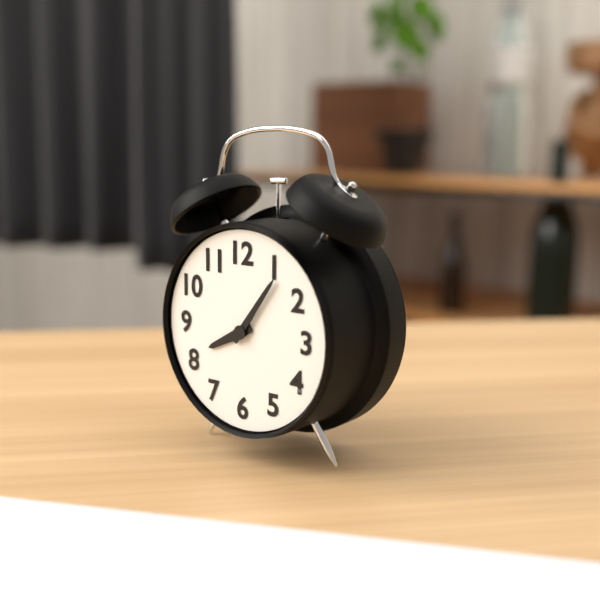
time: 8:06
